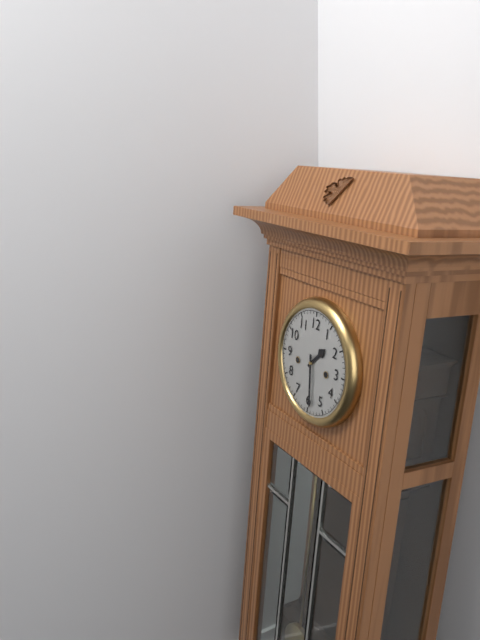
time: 1:29
